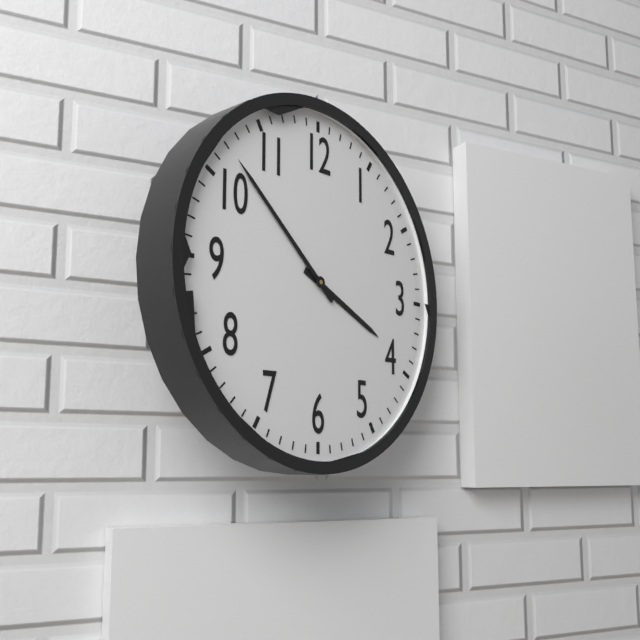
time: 3:52
